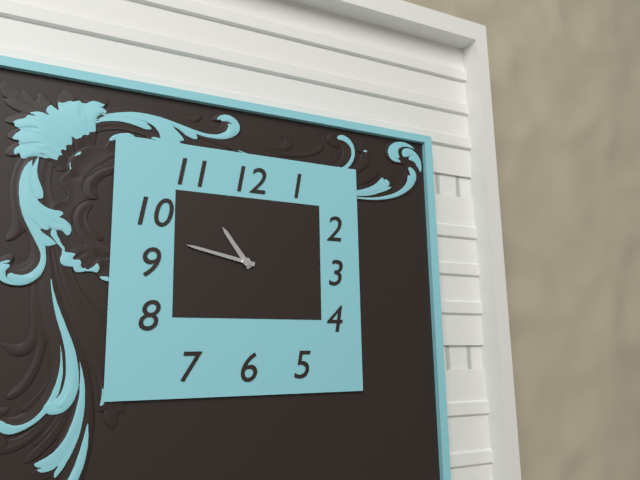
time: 10:47
